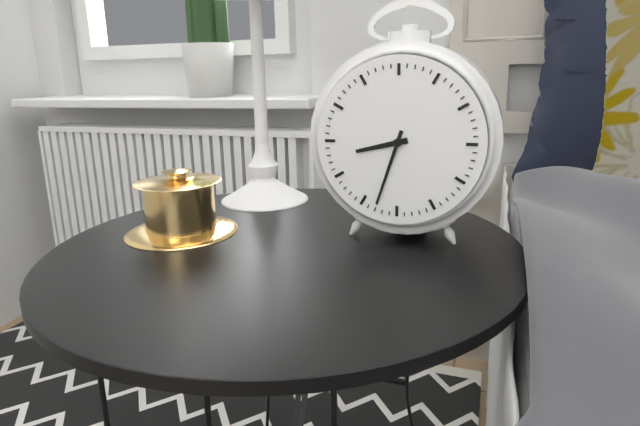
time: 8:33
